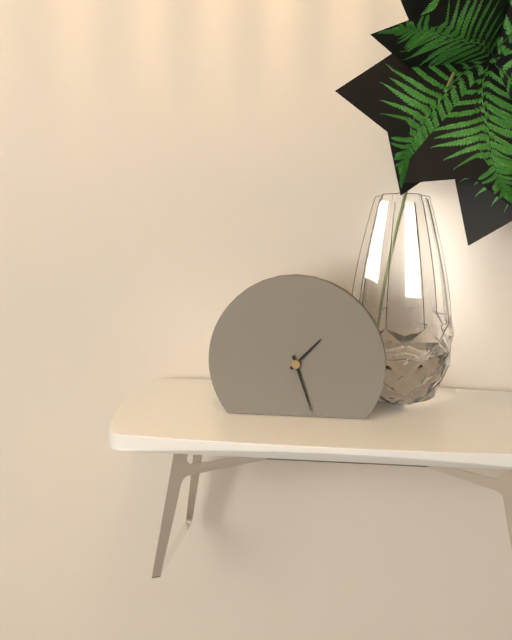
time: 1:27
